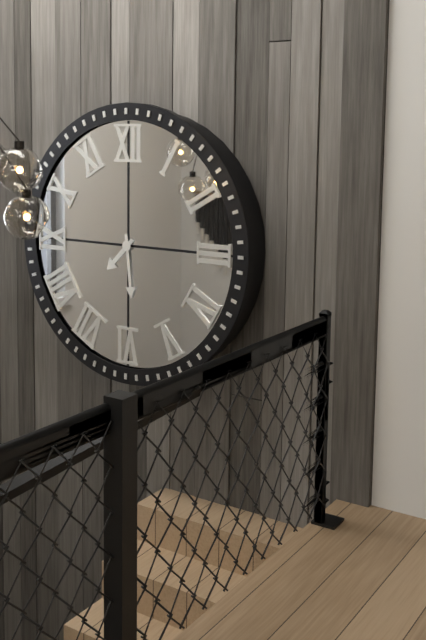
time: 7:29
